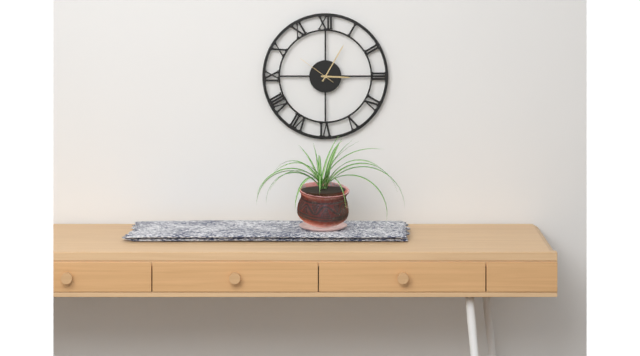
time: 3:05
